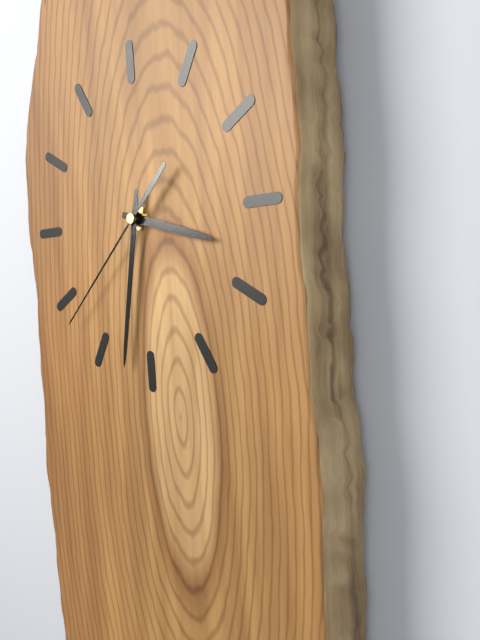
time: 3:32:38
